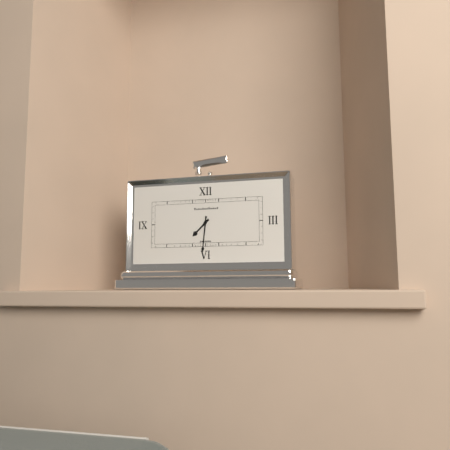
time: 7:31
